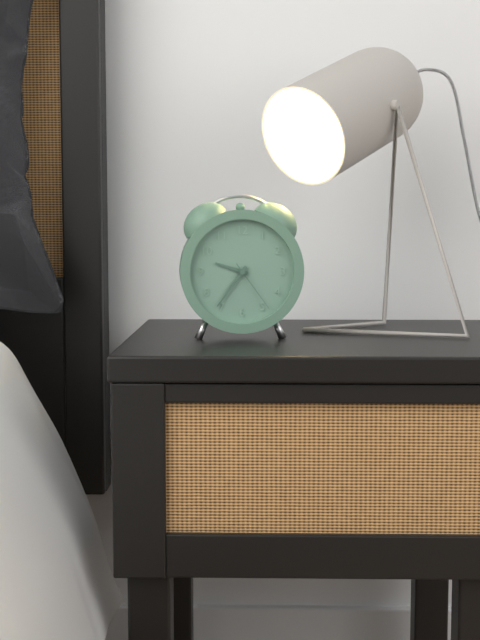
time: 9:36:24
